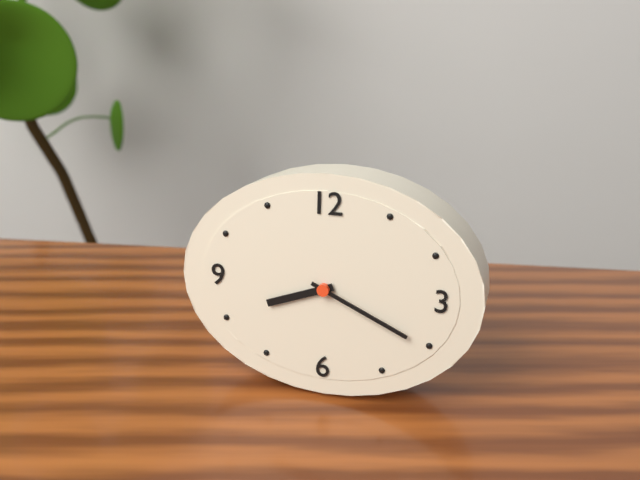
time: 8:19
